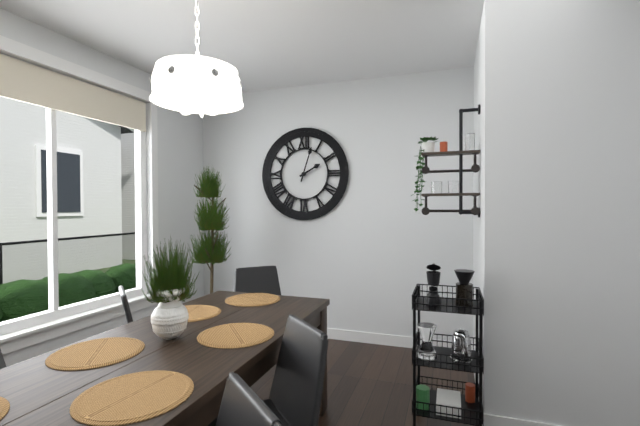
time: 2:03
